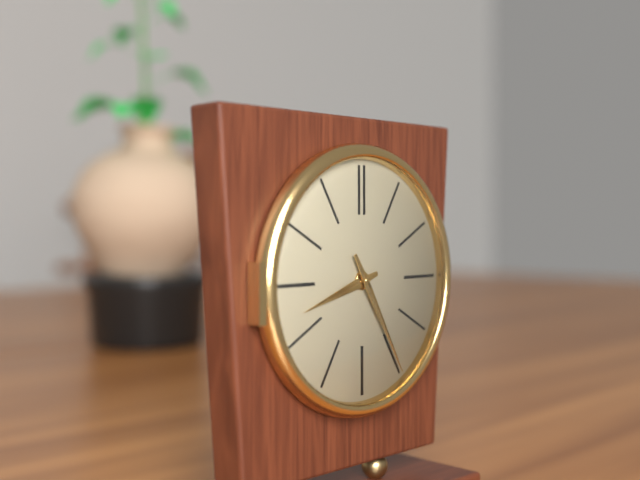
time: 8:25
